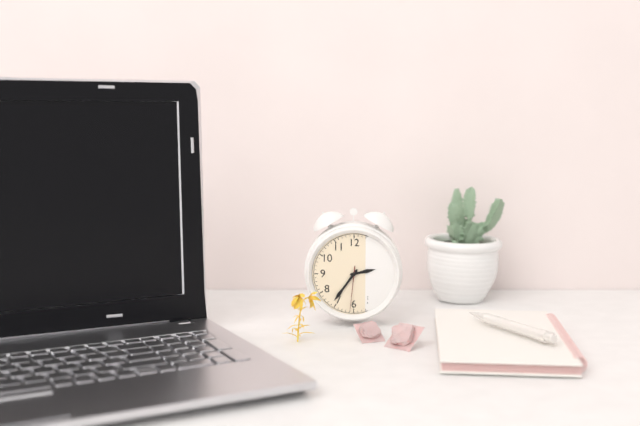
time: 2:36
